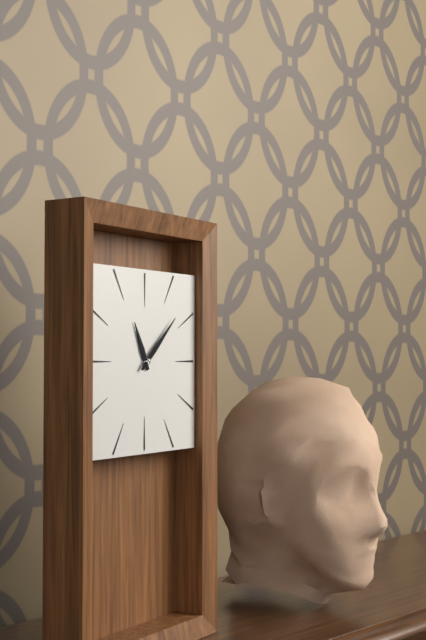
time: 11:08
